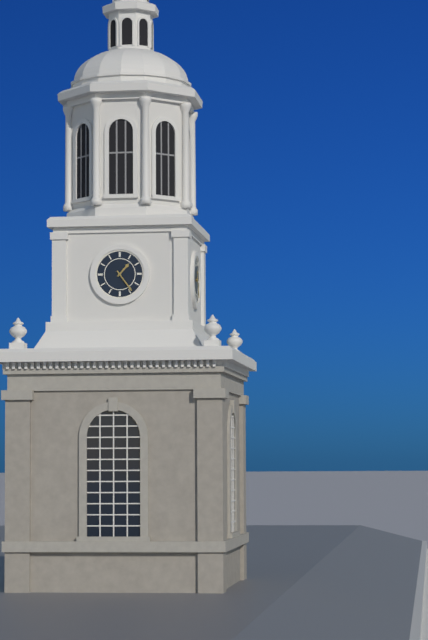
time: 1:24
